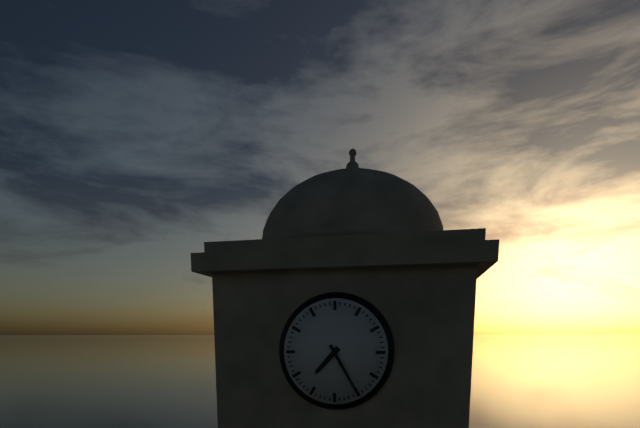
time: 7:25
